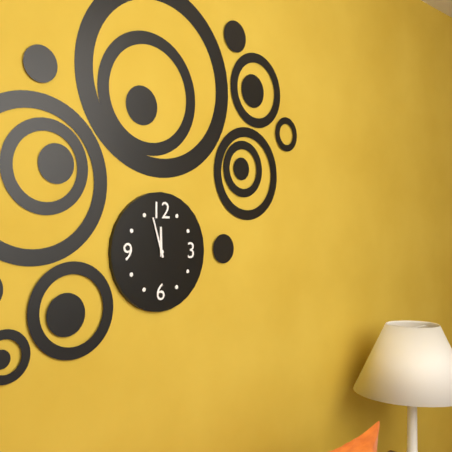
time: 11:57
